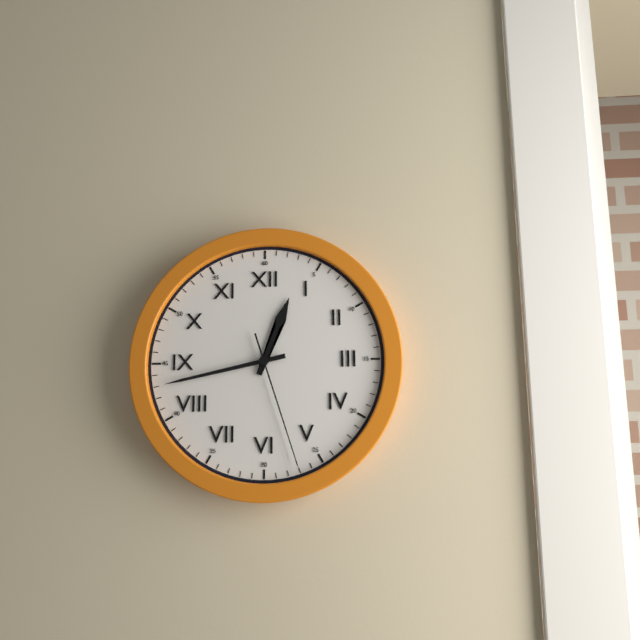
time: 12:43:27
